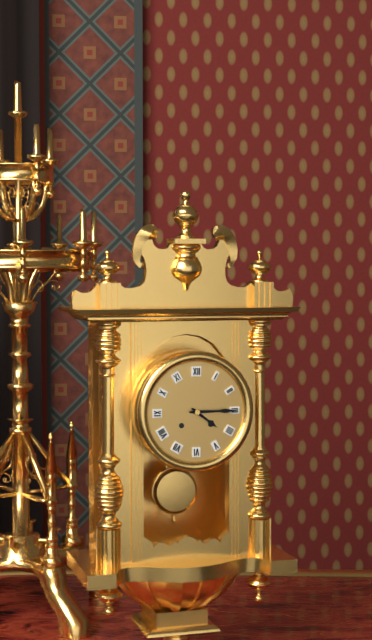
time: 4:15
